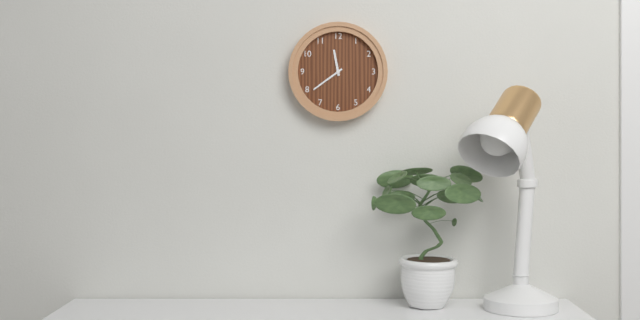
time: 11:39
